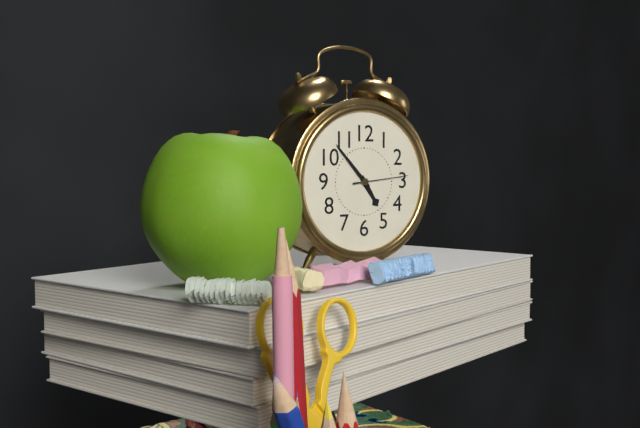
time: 4:53:14
